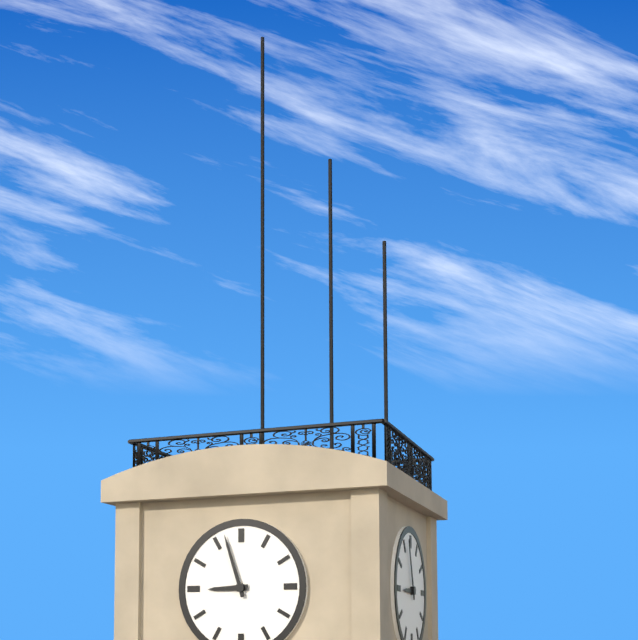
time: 8:57
